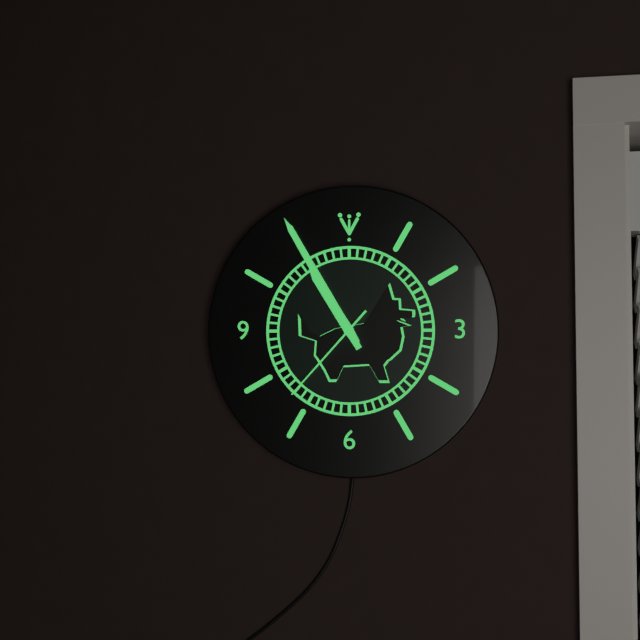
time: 10:55:37
